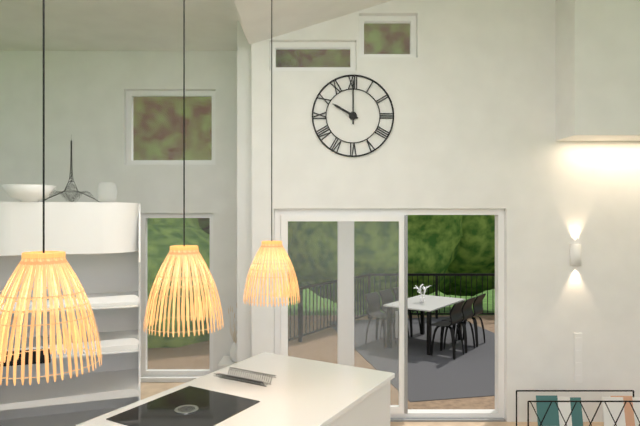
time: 10:00
